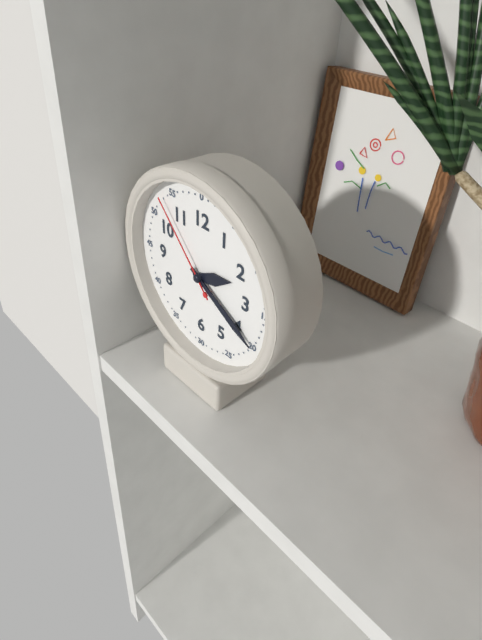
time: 2:20:53
